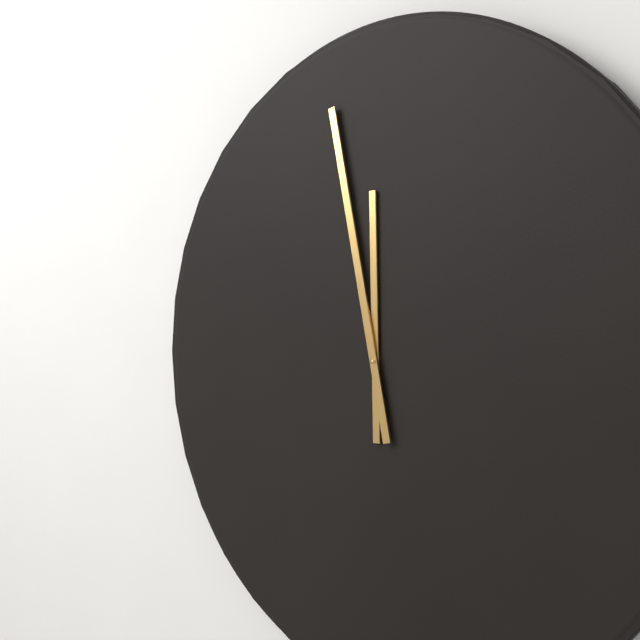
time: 11:58
